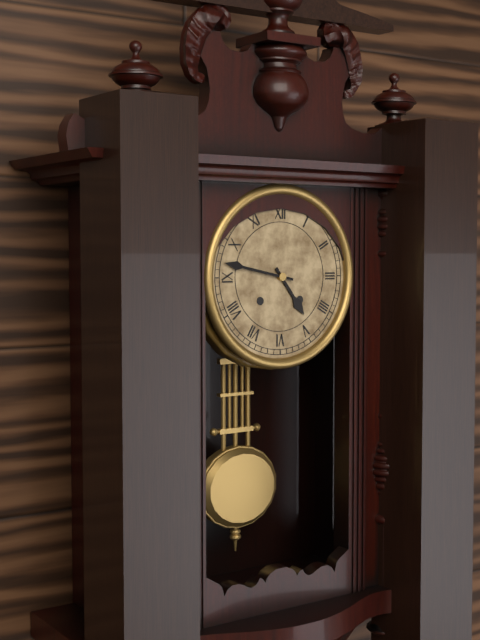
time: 4:47
